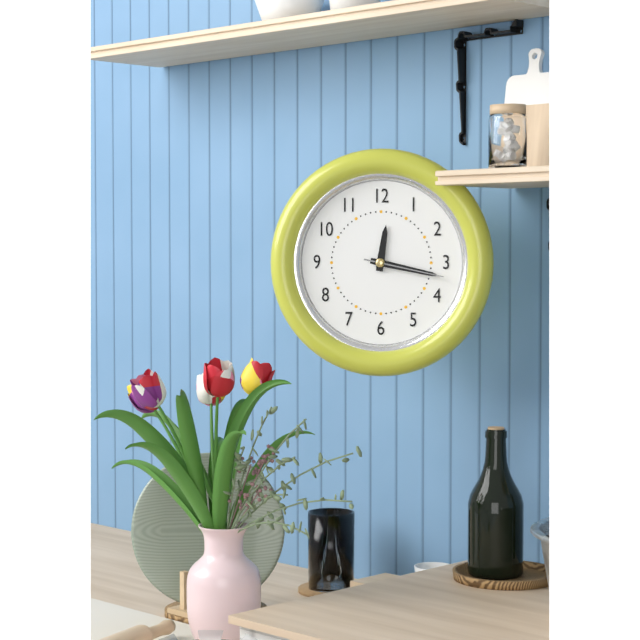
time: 12:17:17
